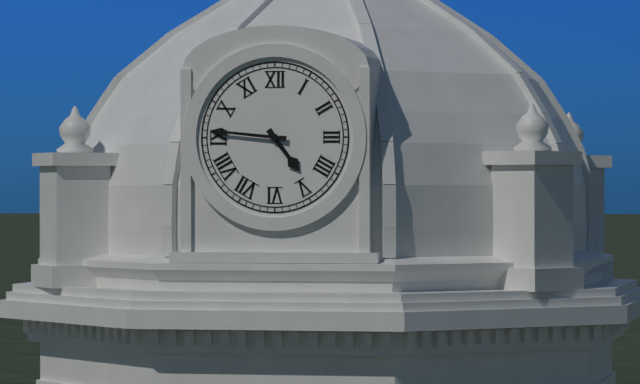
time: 4:46
